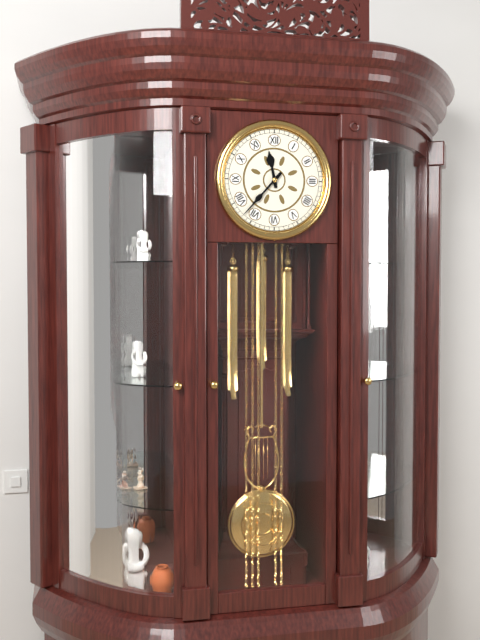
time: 11:37
